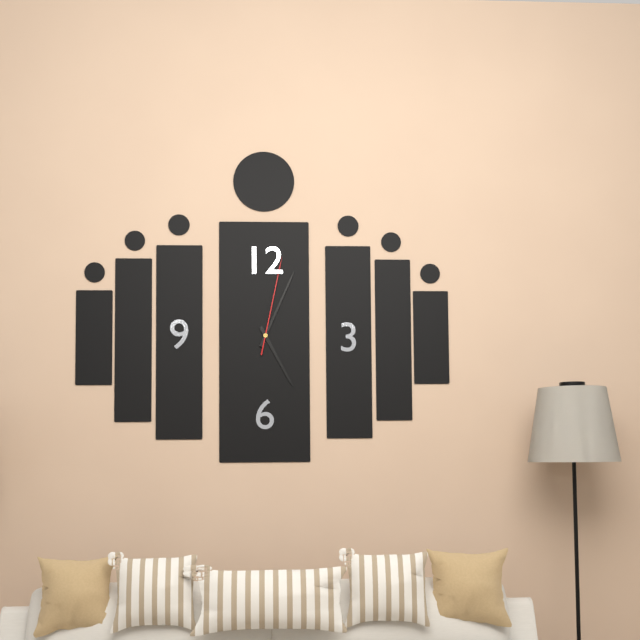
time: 5:04:02
